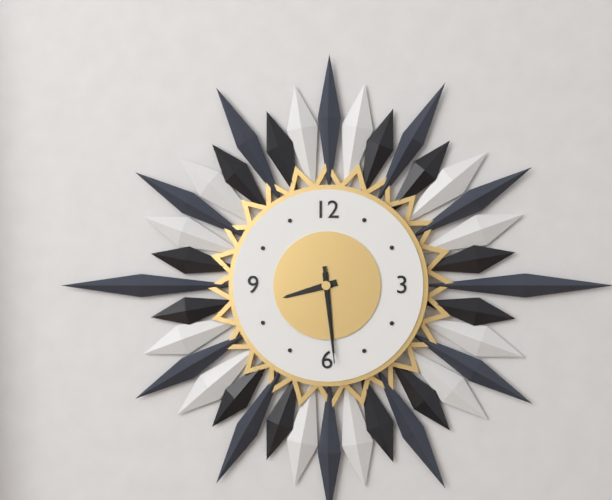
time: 8:29:29
